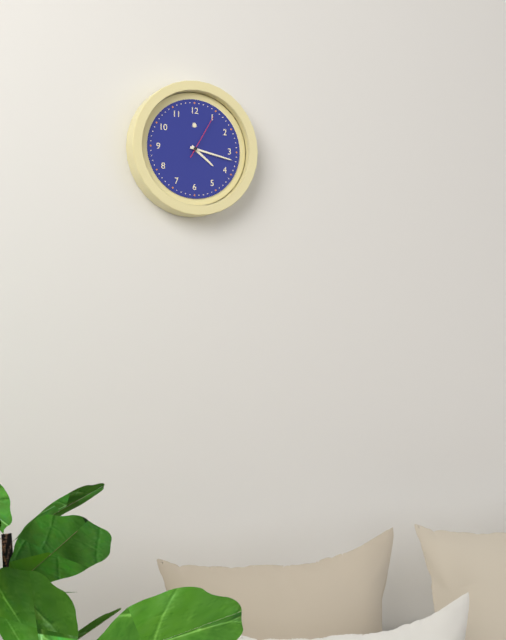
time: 4:17:05
